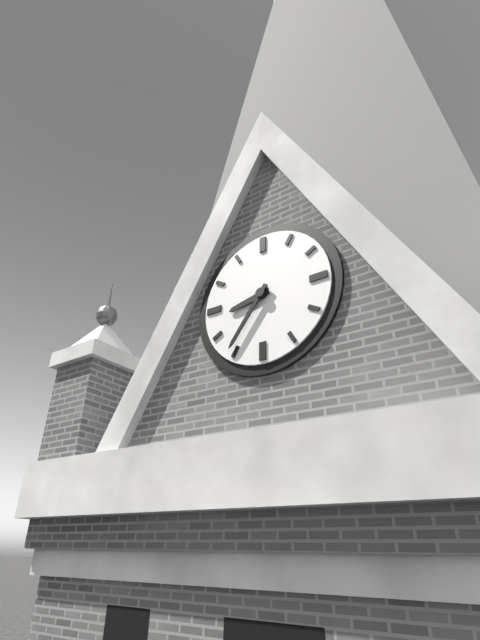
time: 8:36
